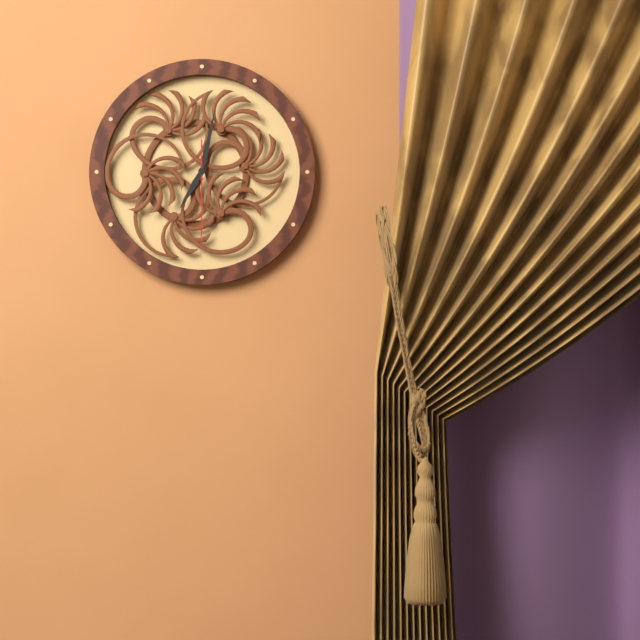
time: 7:02:30
